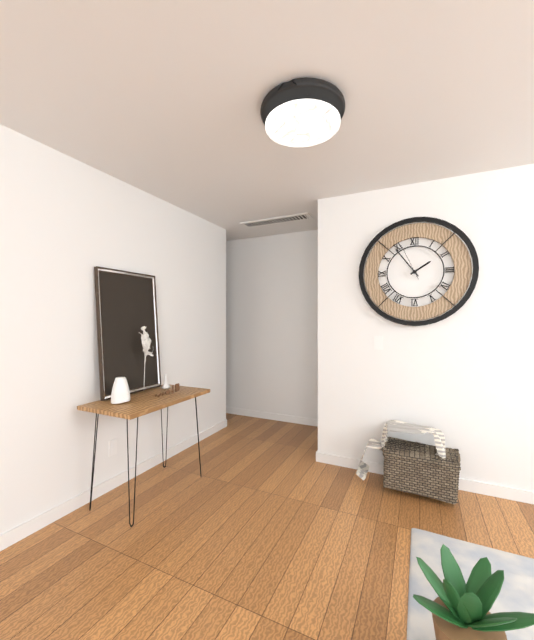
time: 1:54
